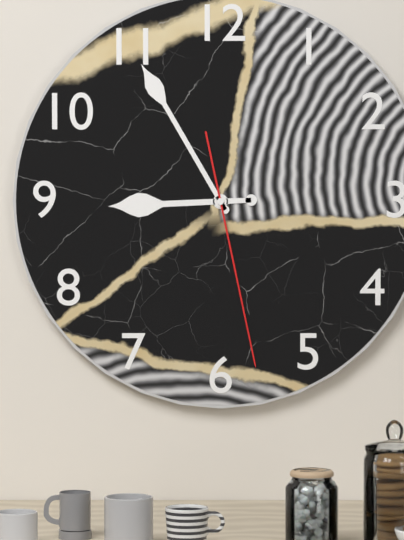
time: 8:55:28
